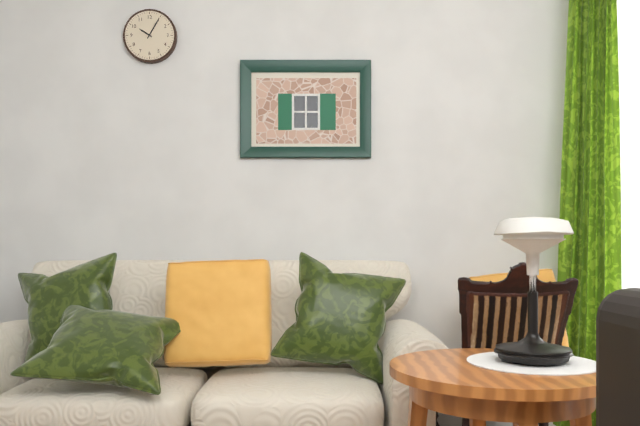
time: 10:05
